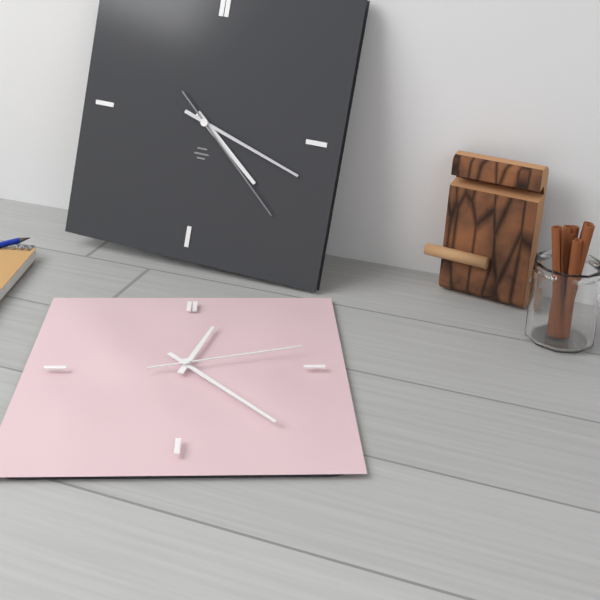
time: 4:18:22
